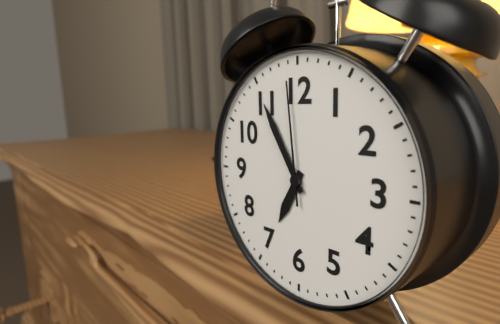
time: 6:55:59
